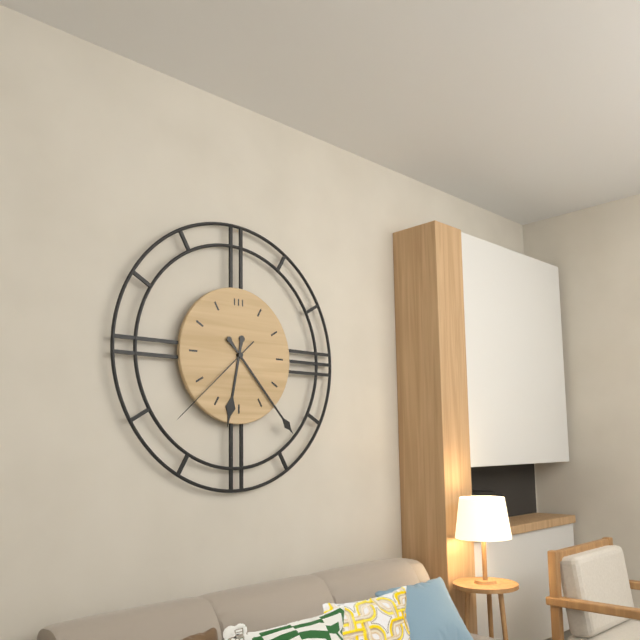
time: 6:23:38
